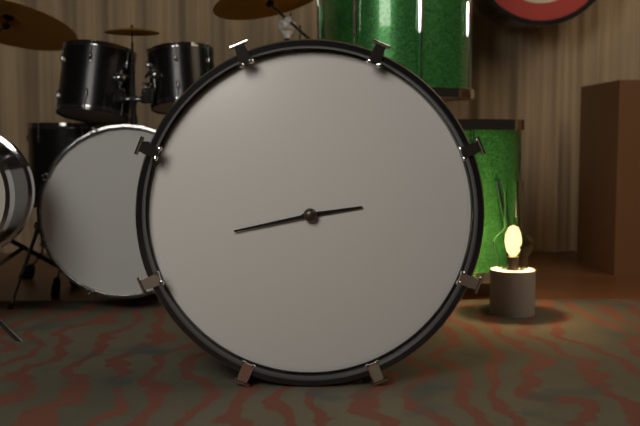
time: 2:43
